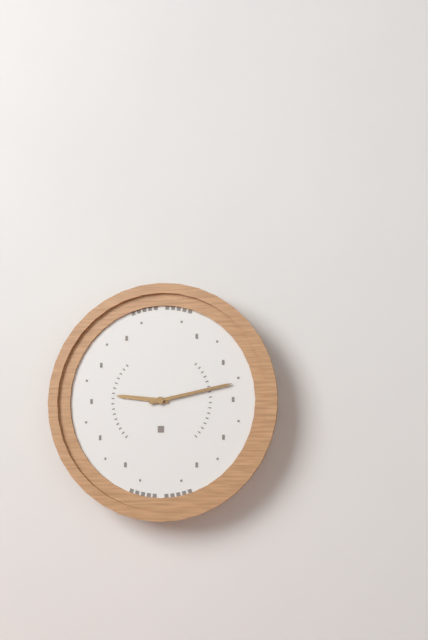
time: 9:13
